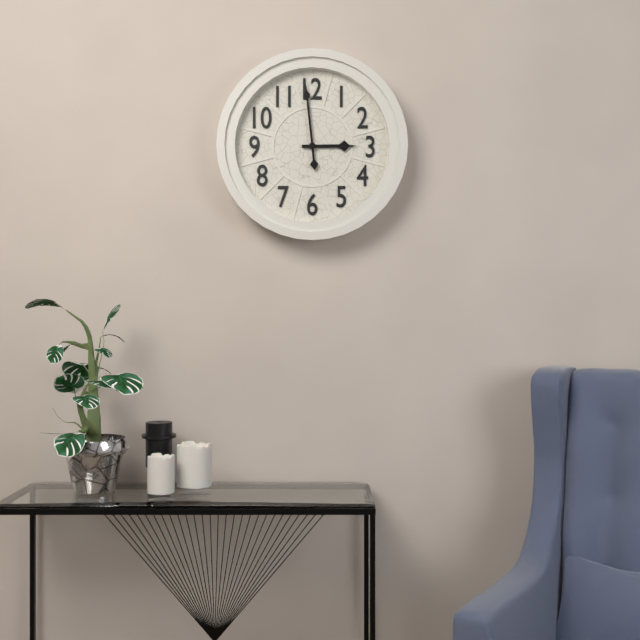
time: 2:59
